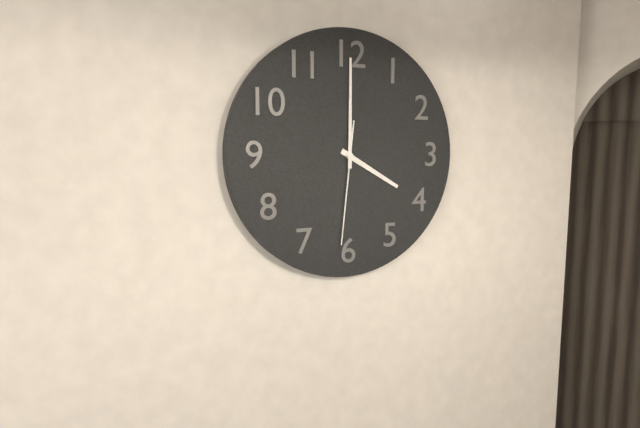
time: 4:00:31
